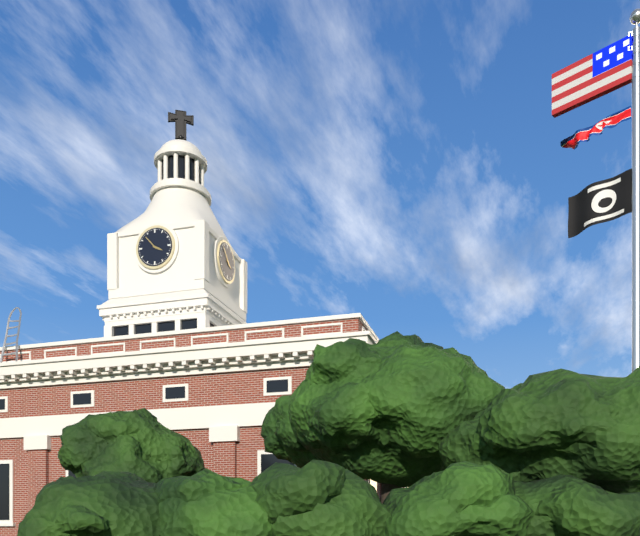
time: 3:53
